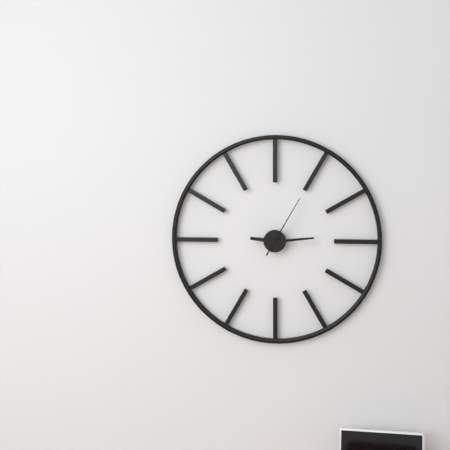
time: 9:14:05
